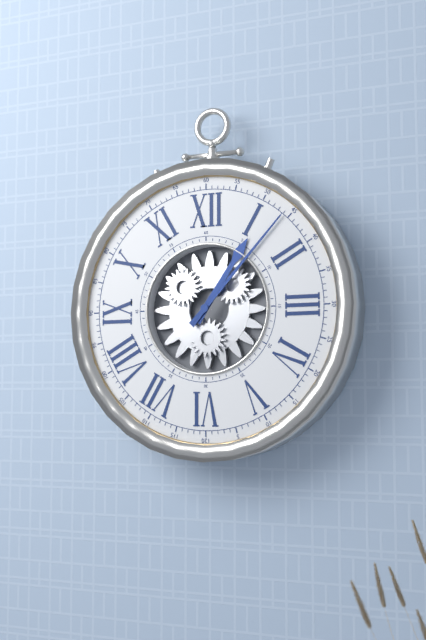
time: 1:07
